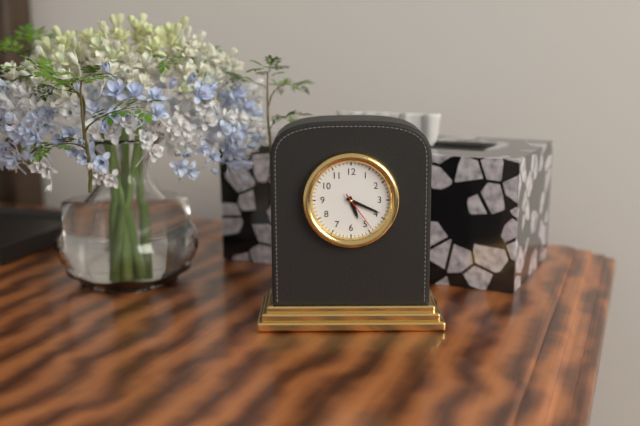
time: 5:19
